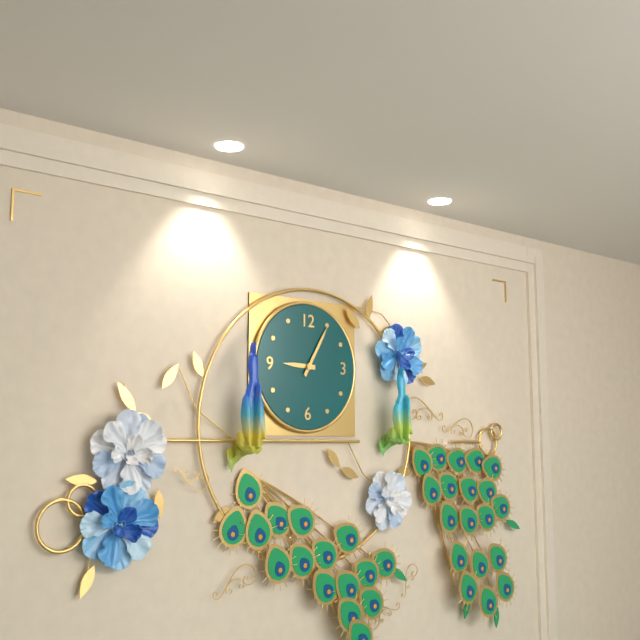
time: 9:05
